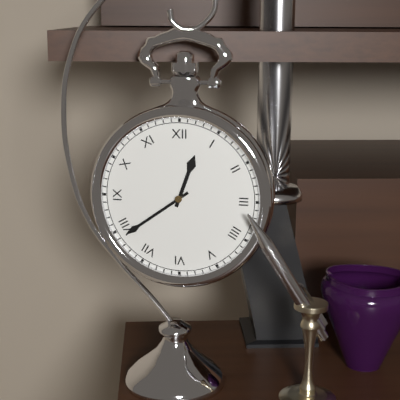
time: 12:39
